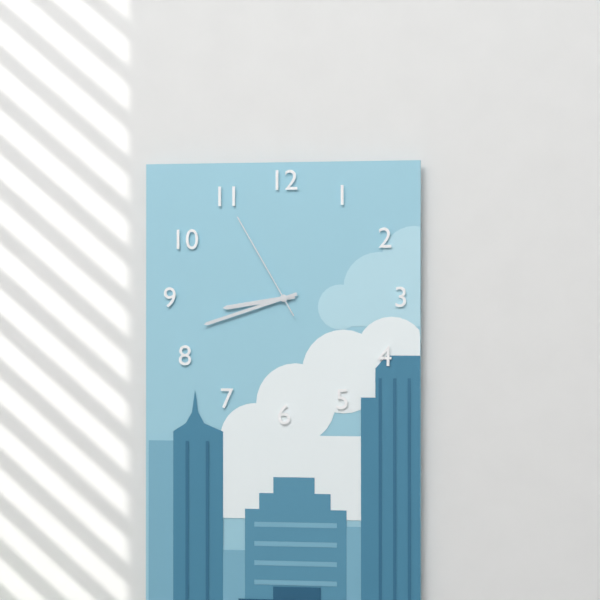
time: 8:42:55
